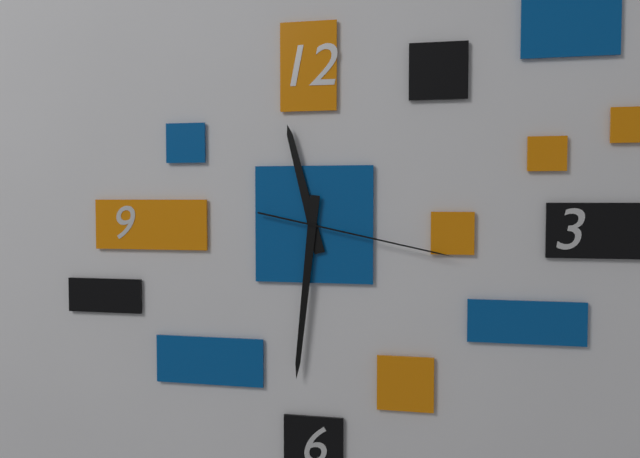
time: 11:31:17
